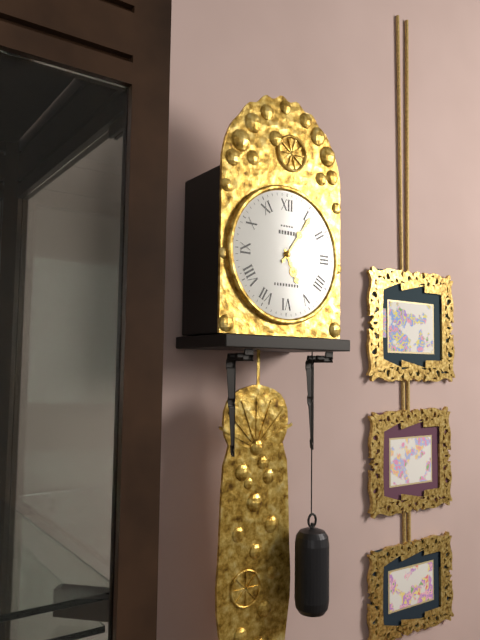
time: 5:06
